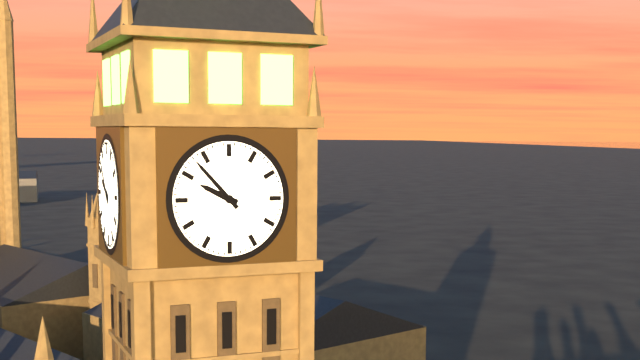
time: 9:53
